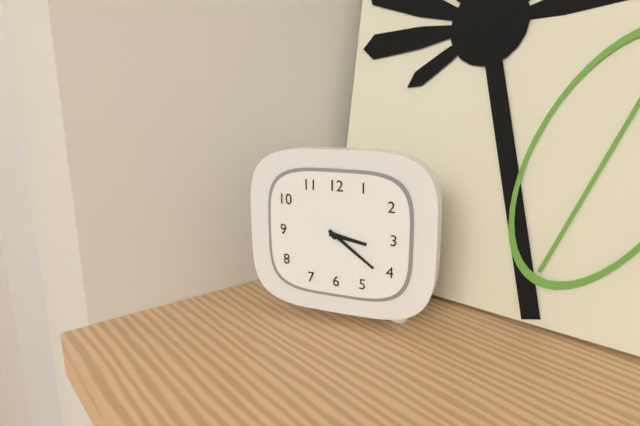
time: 3:21
